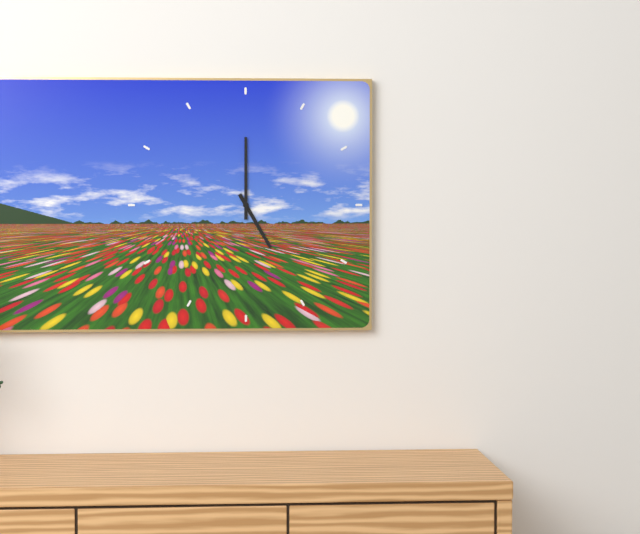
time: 5:00
